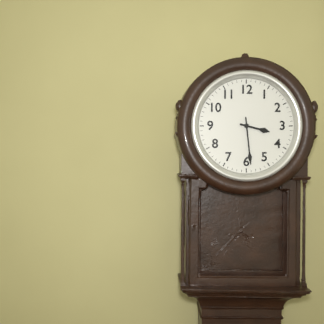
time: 3:29
